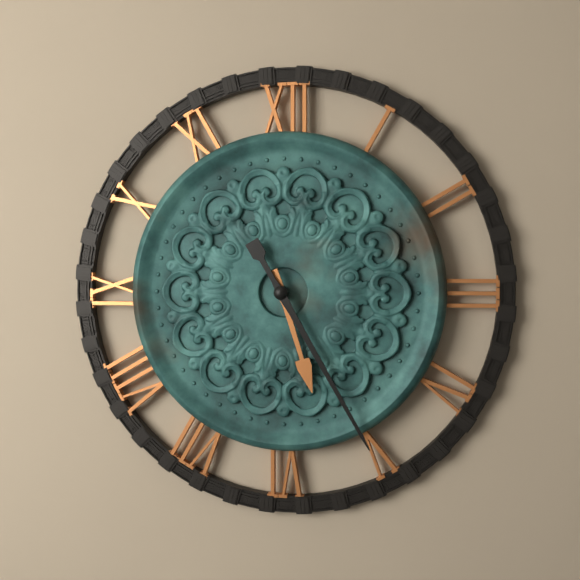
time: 5:25
